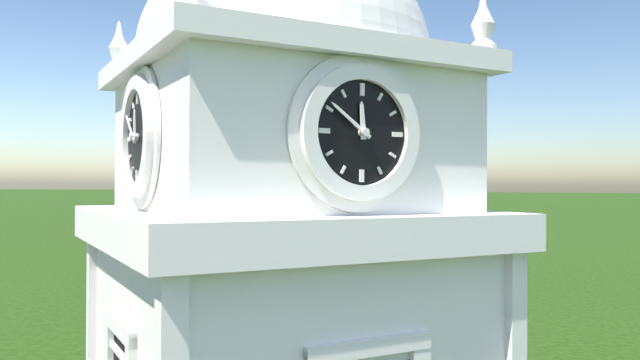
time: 11:51
